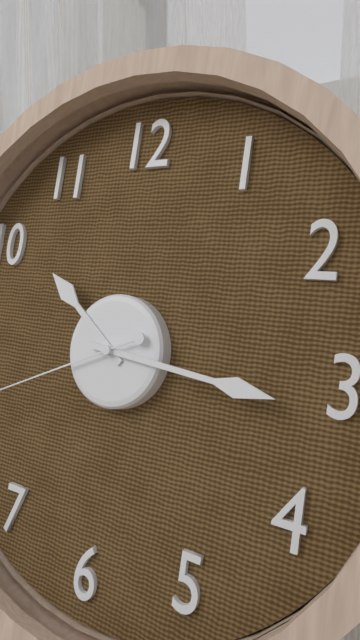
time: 10:16
